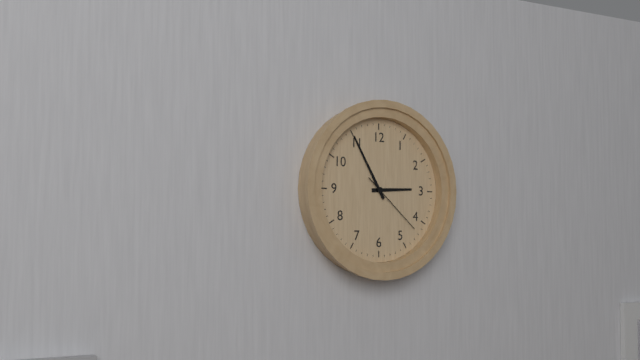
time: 2:55:22
